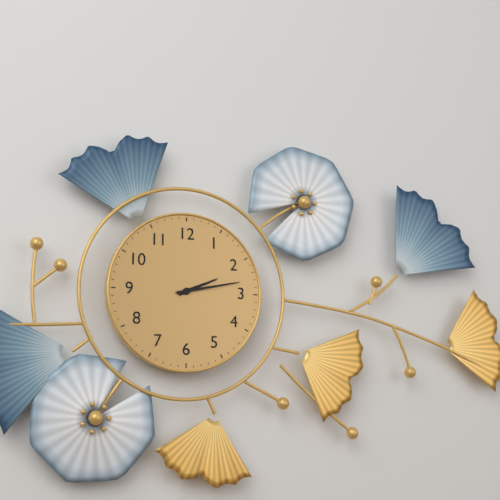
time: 2:13
